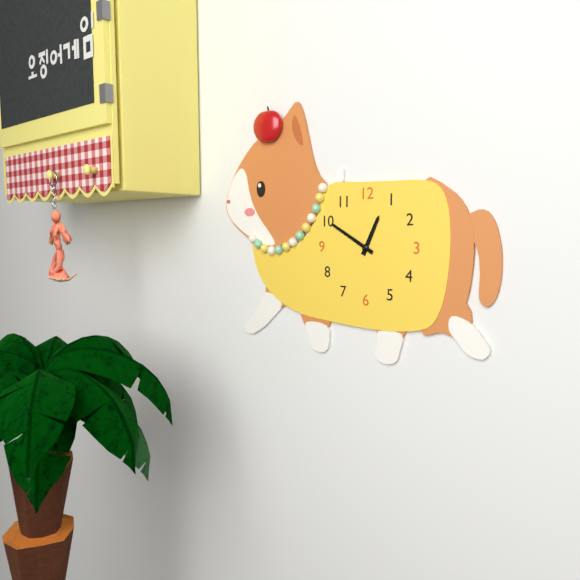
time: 12:50
